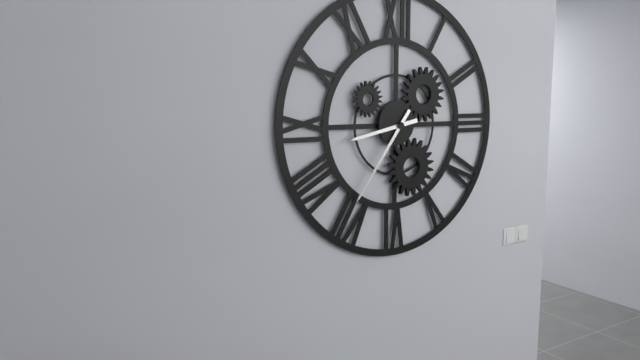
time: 8:36
